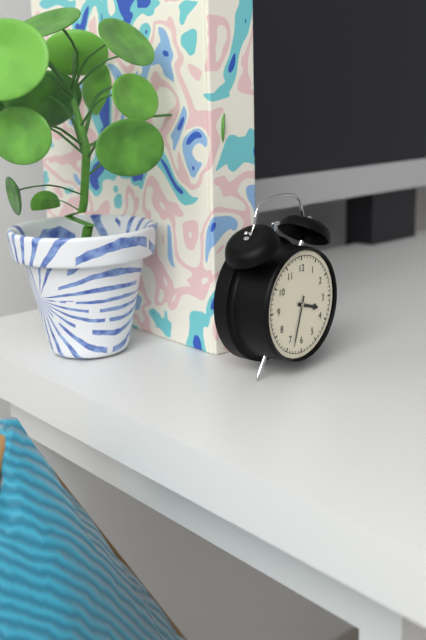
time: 3:33
